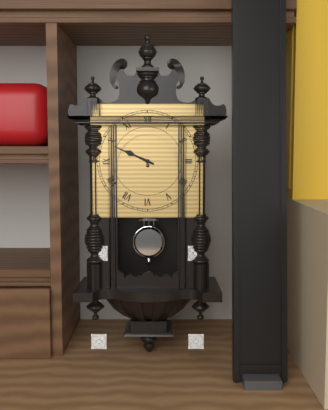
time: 9:49
